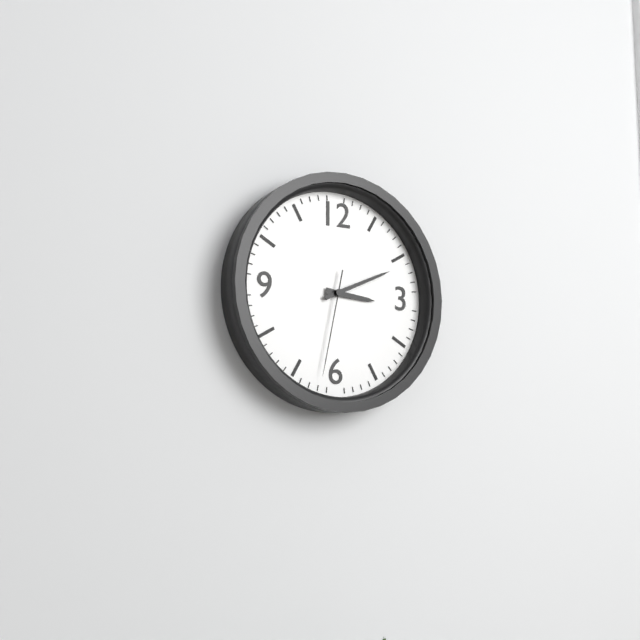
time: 3:11:32
